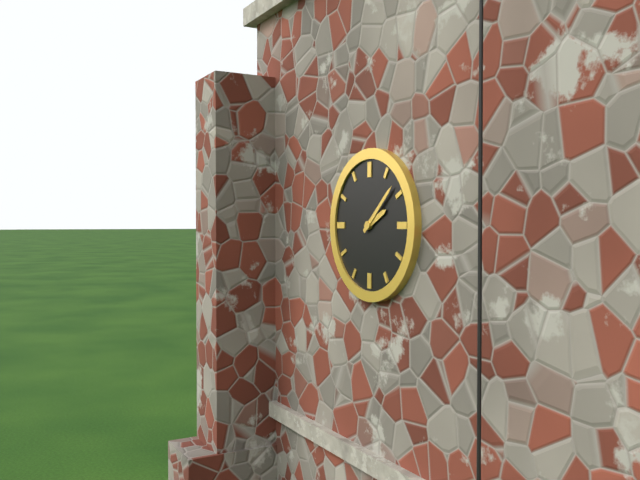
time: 2:08
